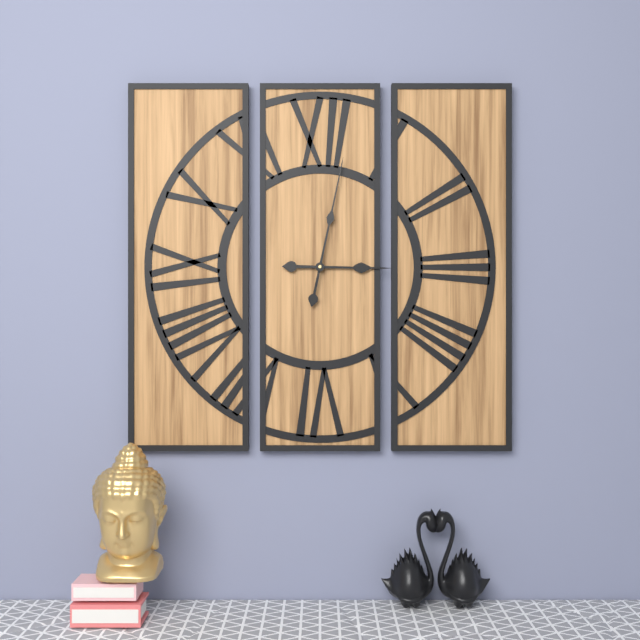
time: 3:02
